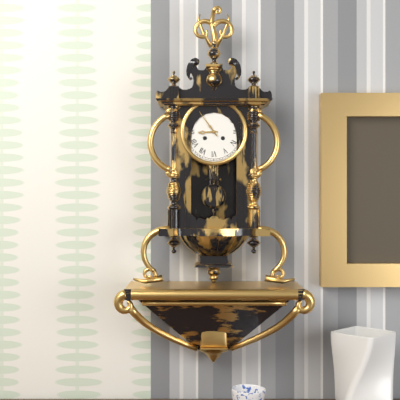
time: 8:54
